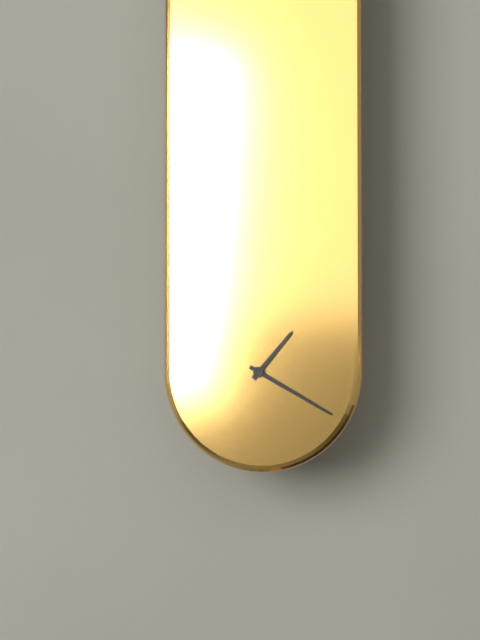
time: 1:20
